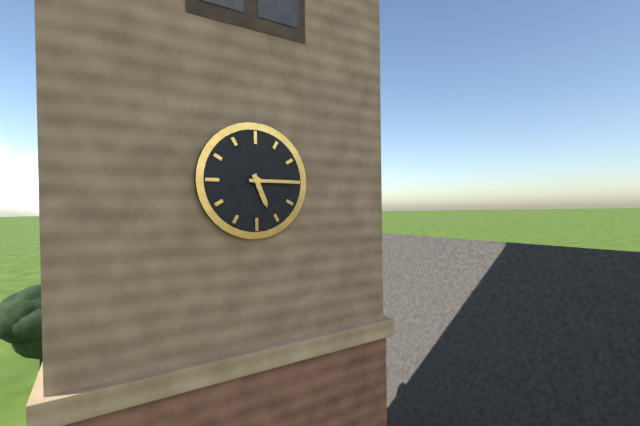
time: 5:15
